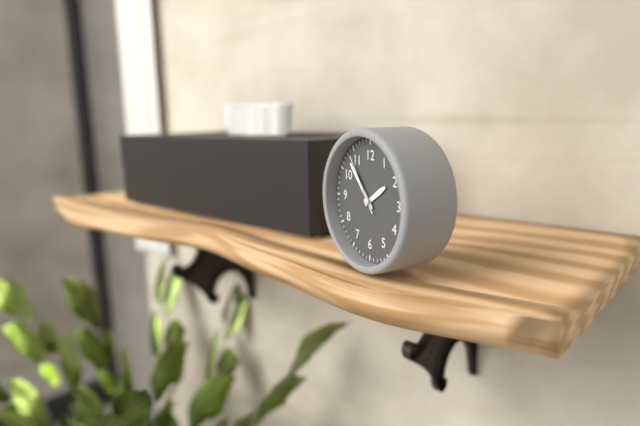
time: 1:53:54
